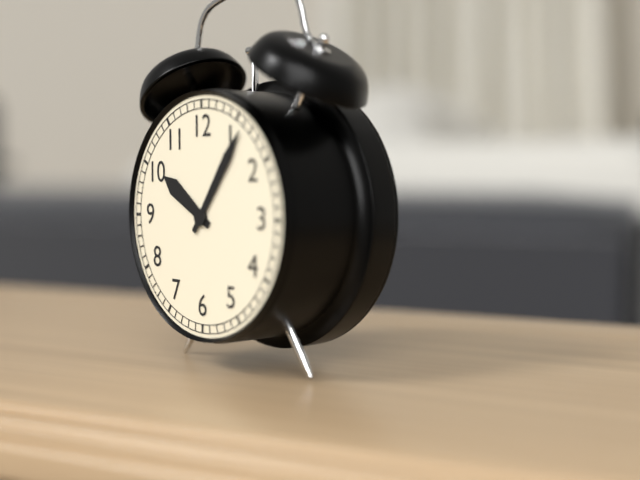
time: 10:06
